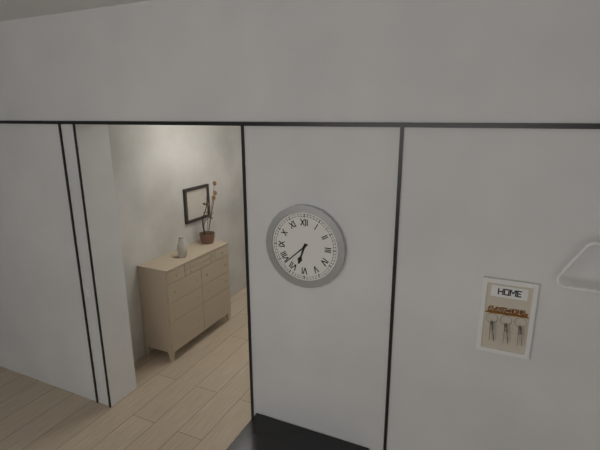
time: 6:38
